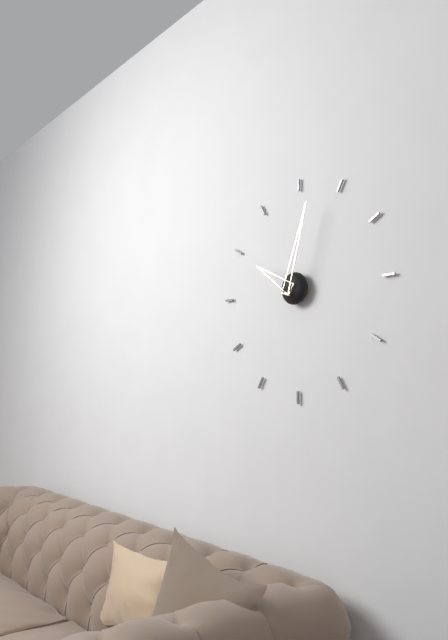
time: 10:03
